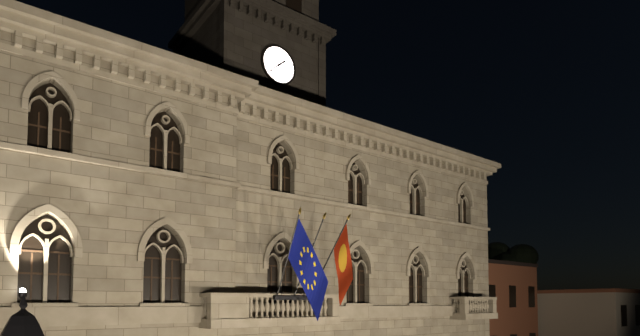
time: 1:38
